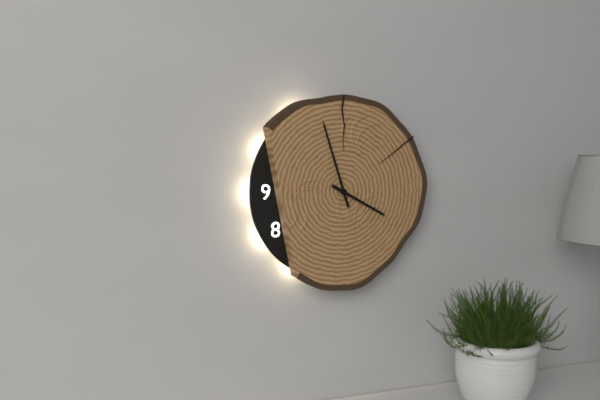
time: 3:57
